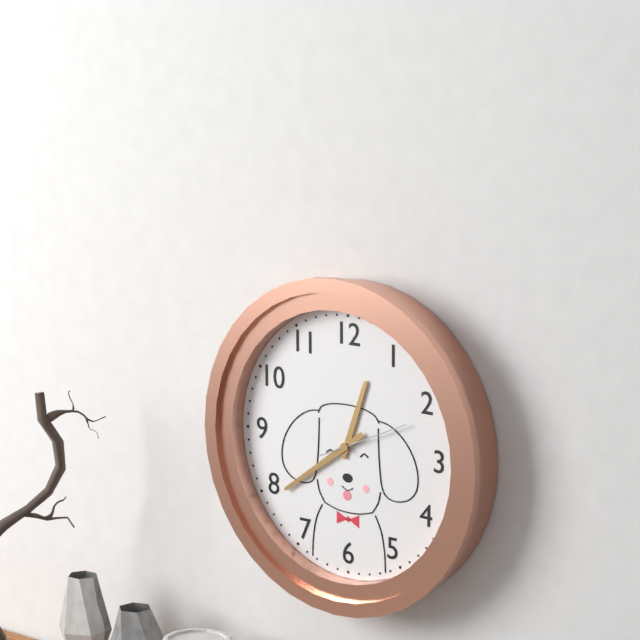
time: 12:39:11
